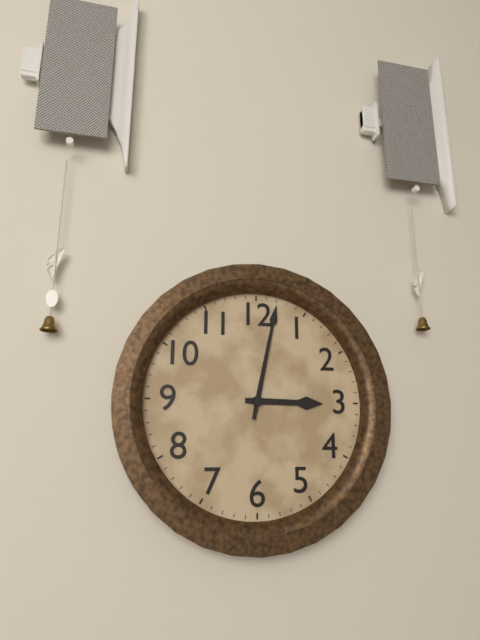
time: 3:02
